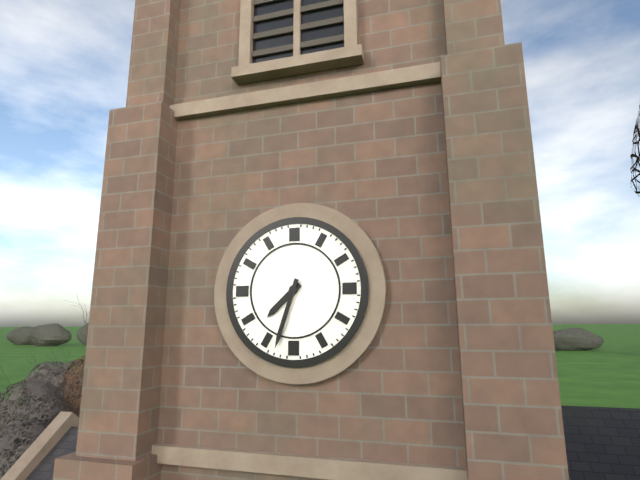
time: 7:33
